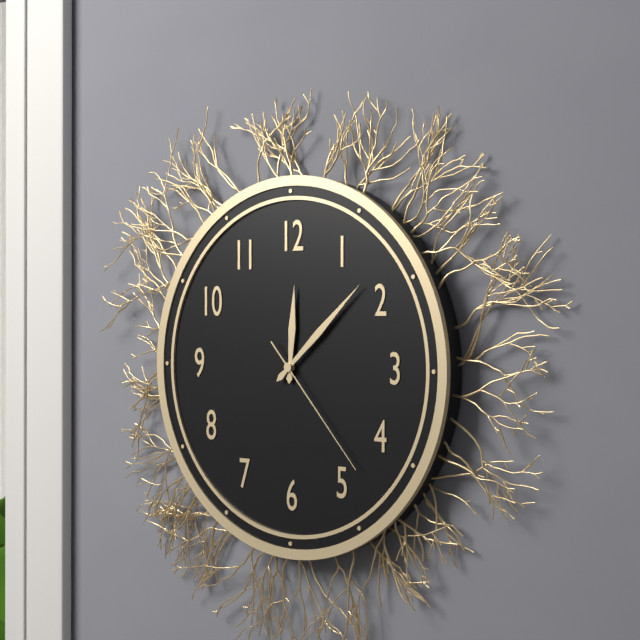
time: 12:08:23
